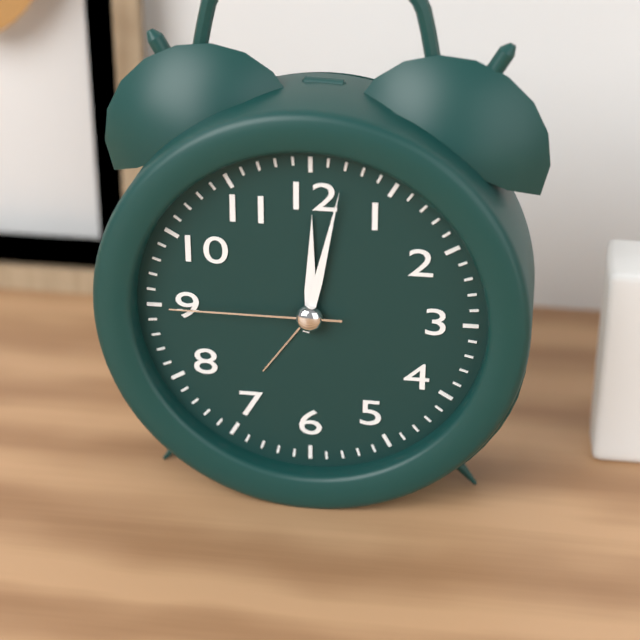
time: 12:02:45
